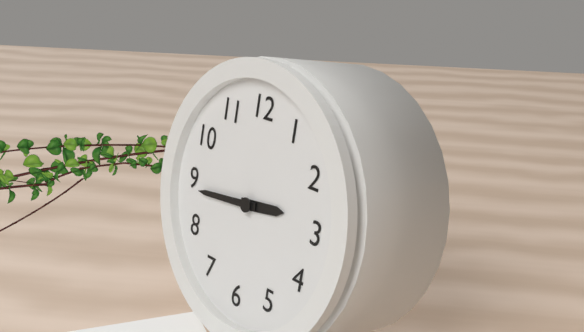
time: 2:44
